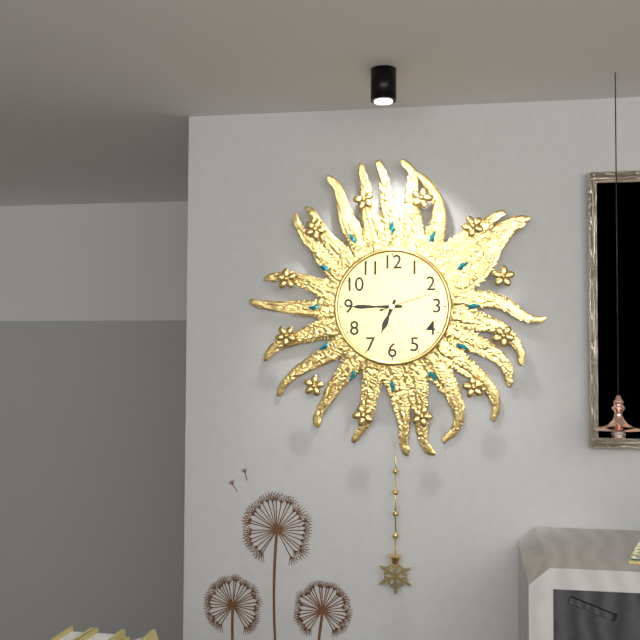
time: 6:45:12
